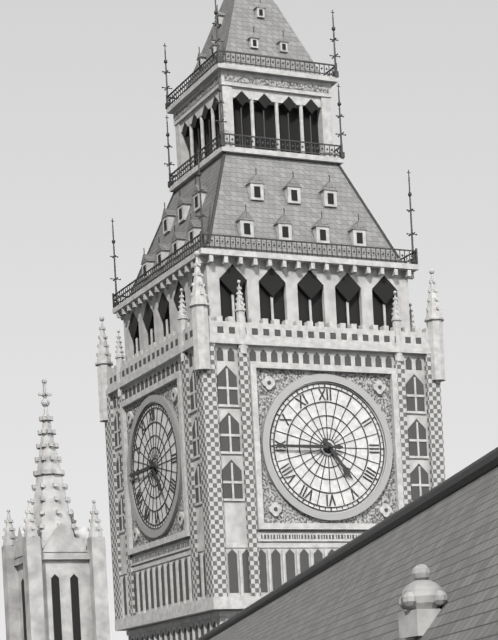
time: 4:45
